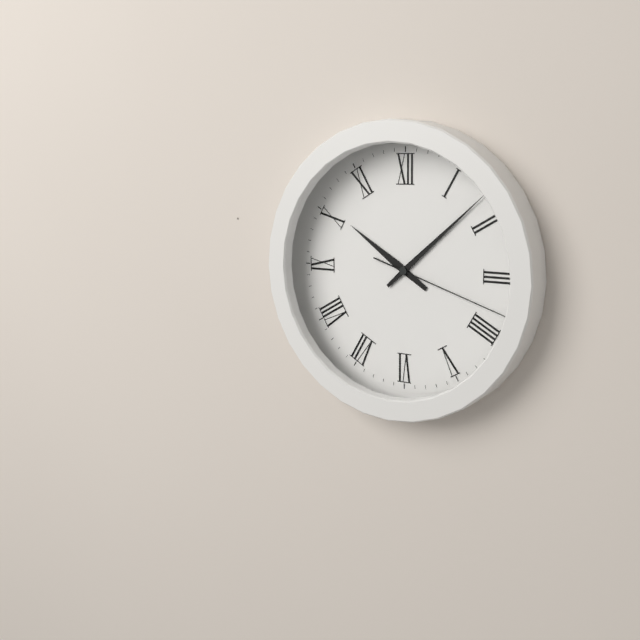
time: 10:08:18
